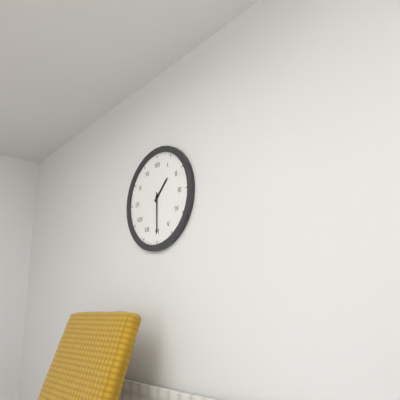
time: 1:30
